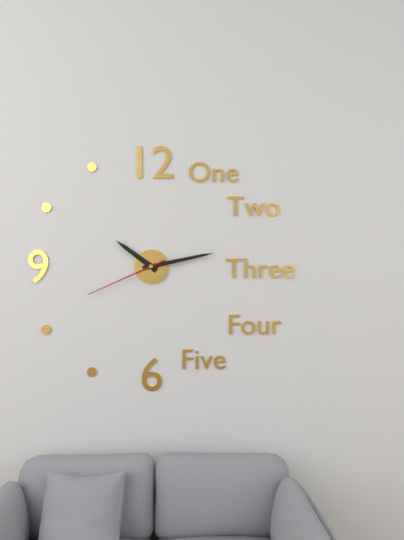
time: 10:13:41
